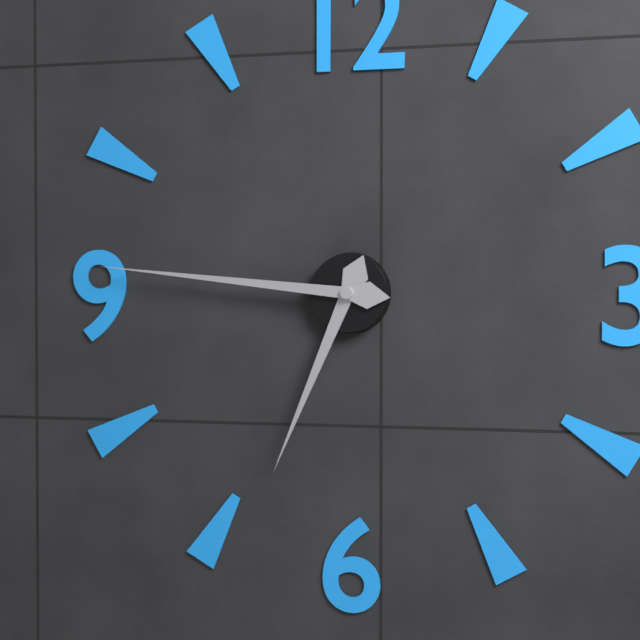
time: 6:46
